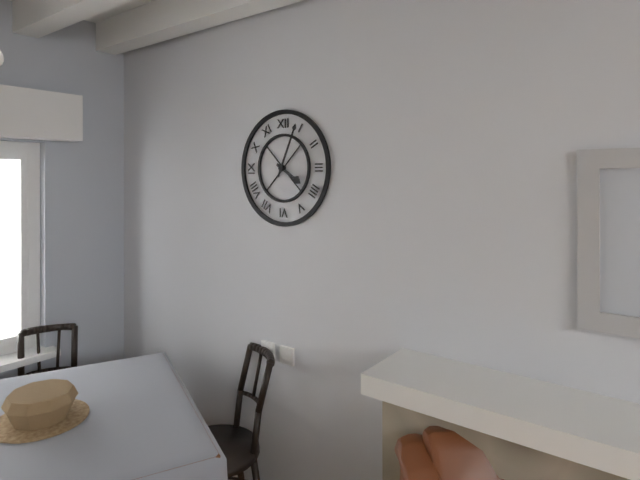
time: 4:04
